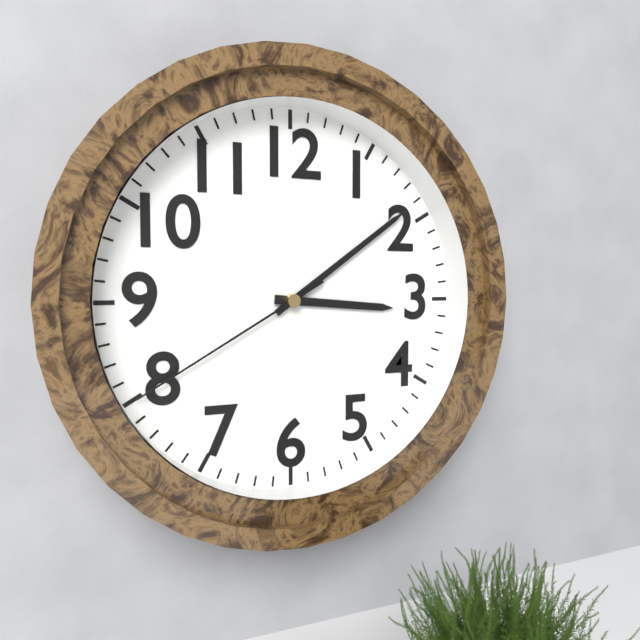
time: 3:09:40
